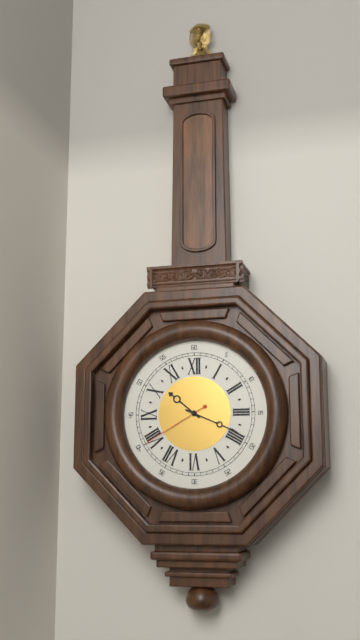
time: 10:19:40
